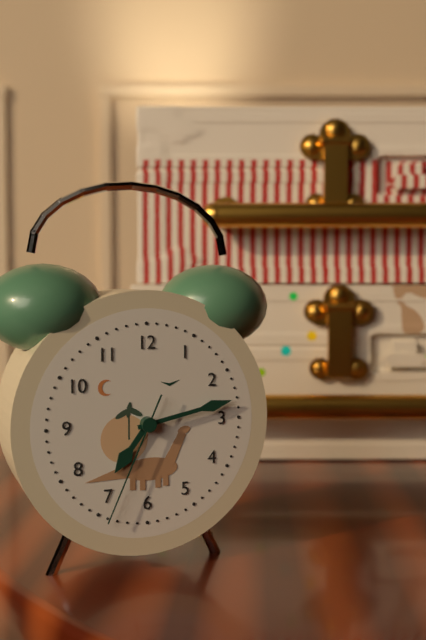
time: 7:13:34
